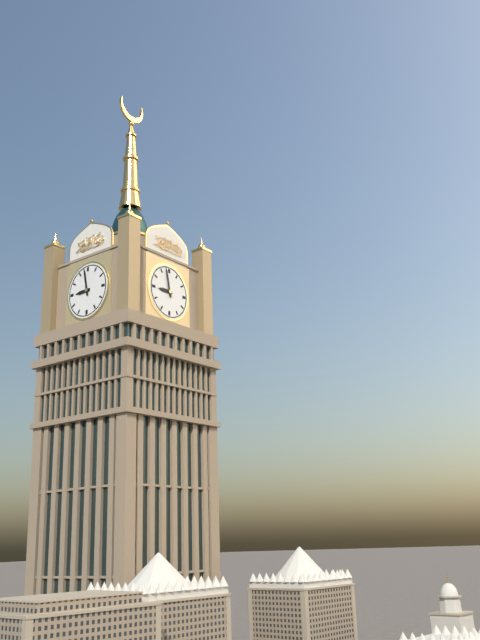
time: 8:58
